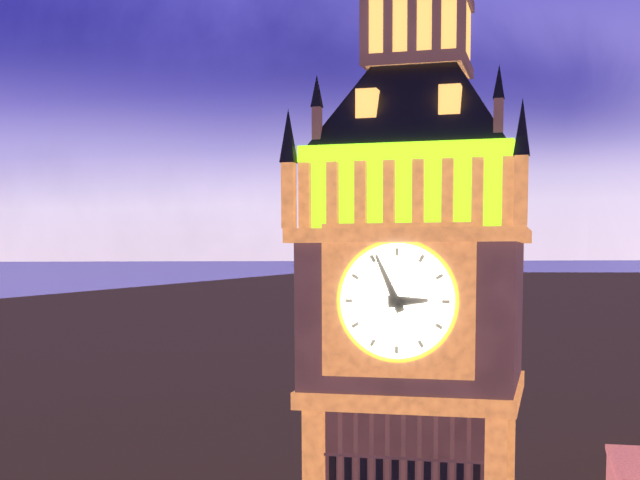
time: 2:56
